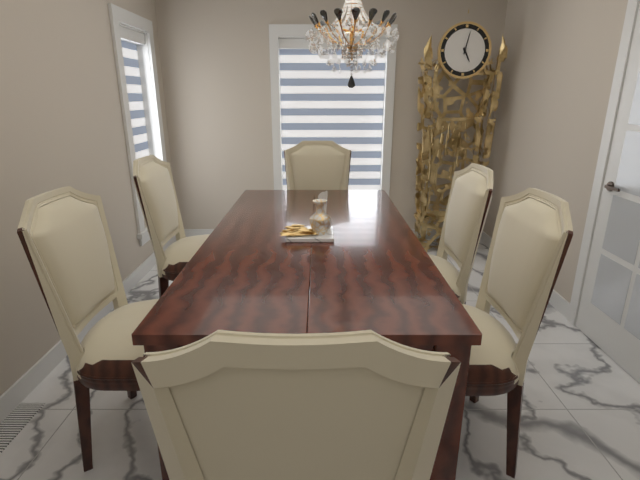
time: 5:02
